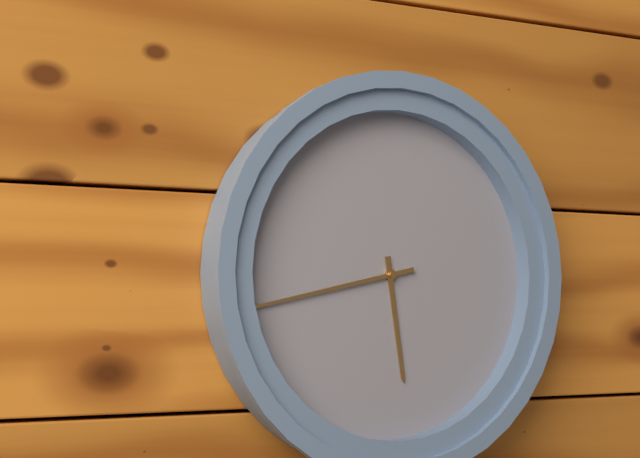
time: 5:43
